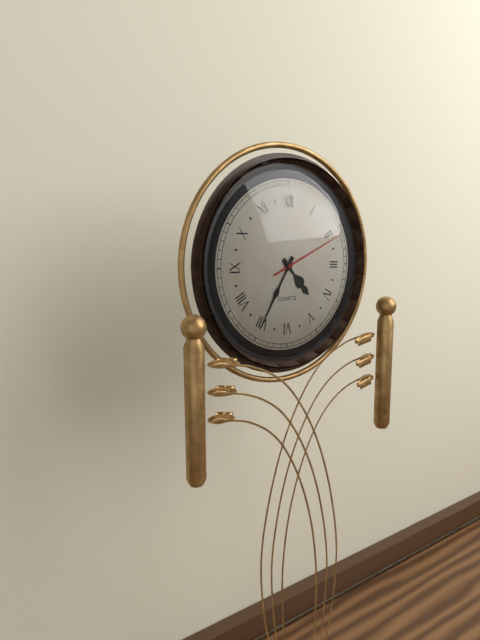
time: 4:35:11
